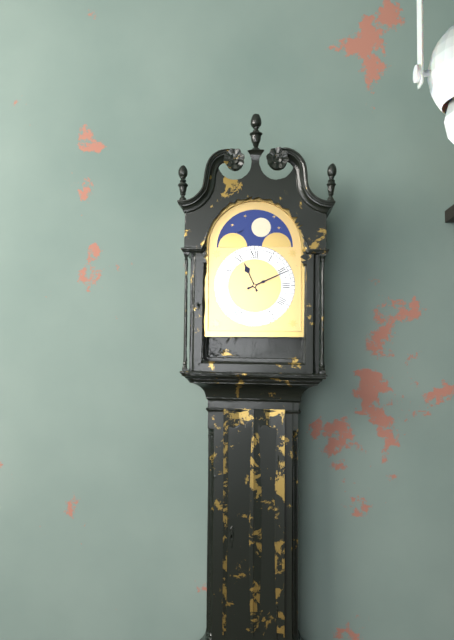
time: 11:11
